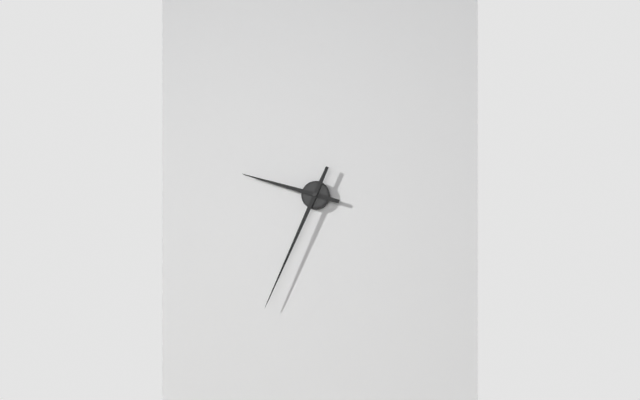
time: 9:34
